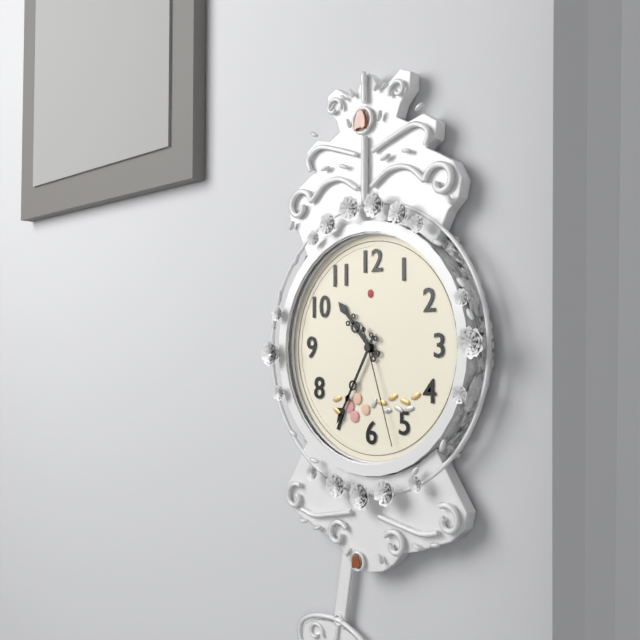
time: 10:35:27
